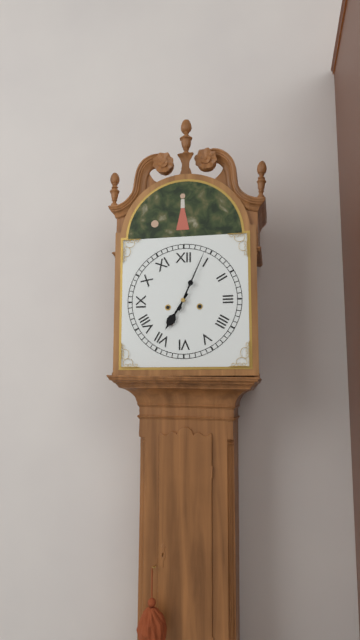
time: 7:04
